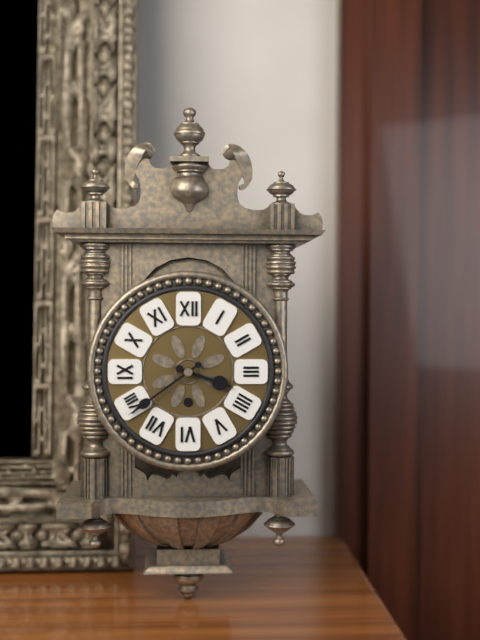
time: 3:39
